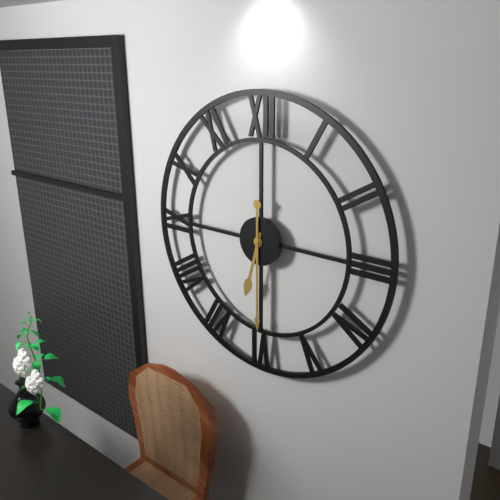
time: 6:30
